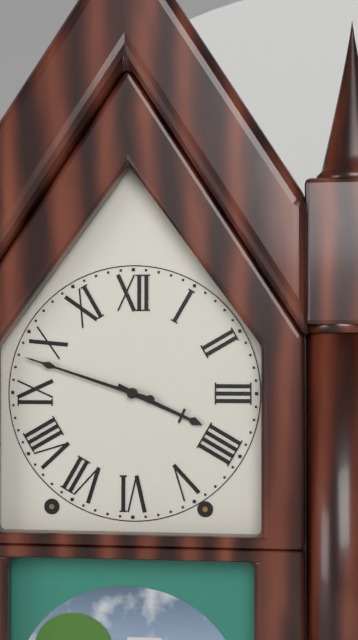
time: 3:48
